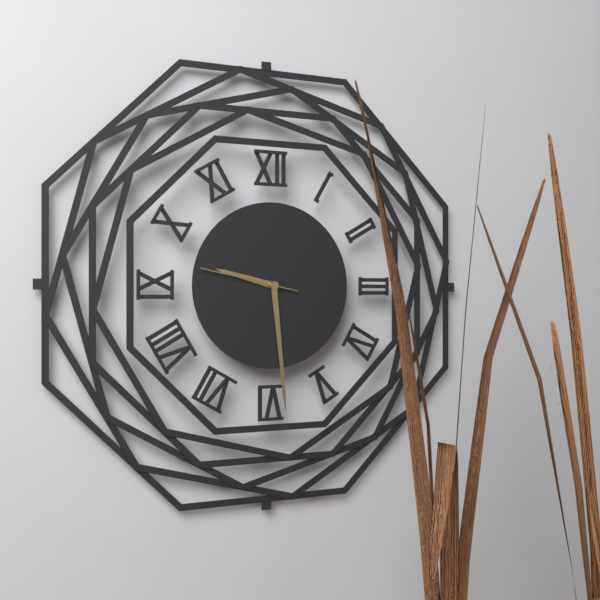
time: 9:29:47
